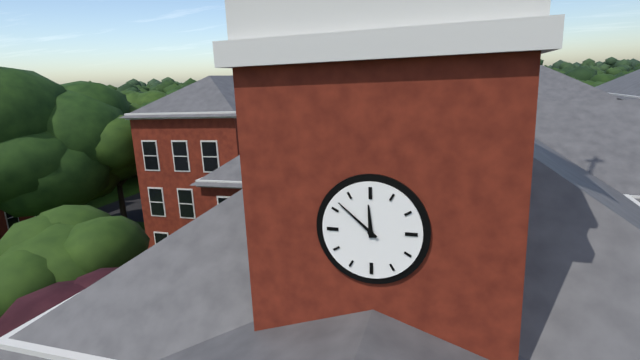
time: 11:52
